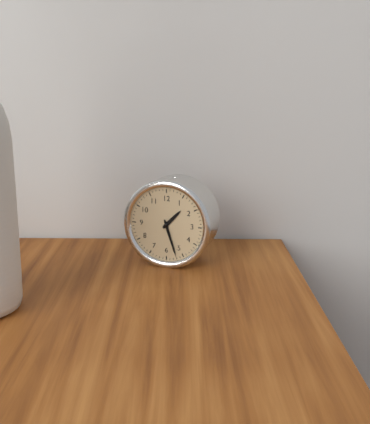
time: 1:27
